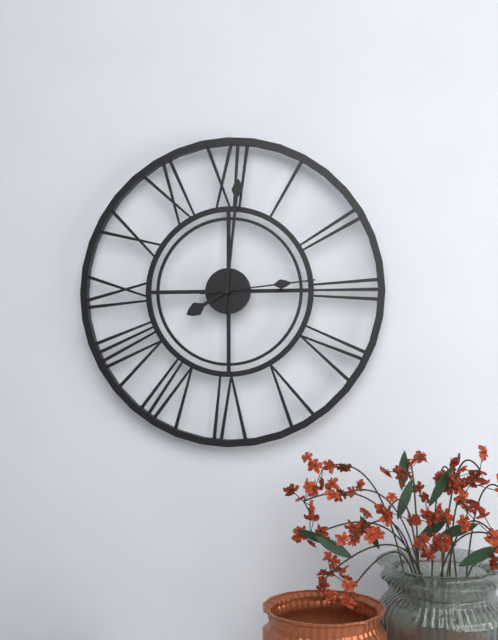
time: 8:01:14
